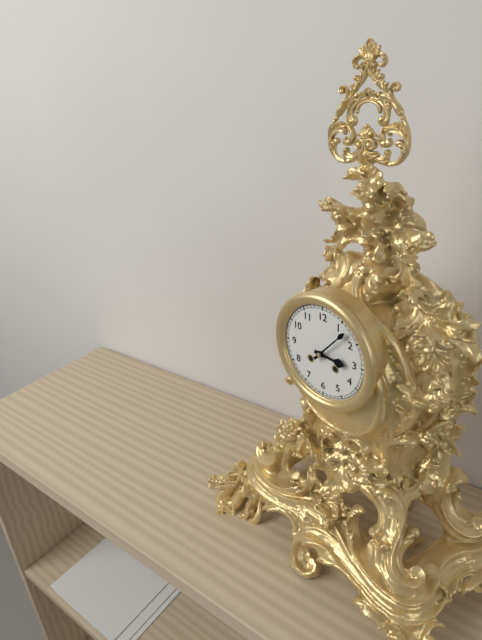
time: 3:07
